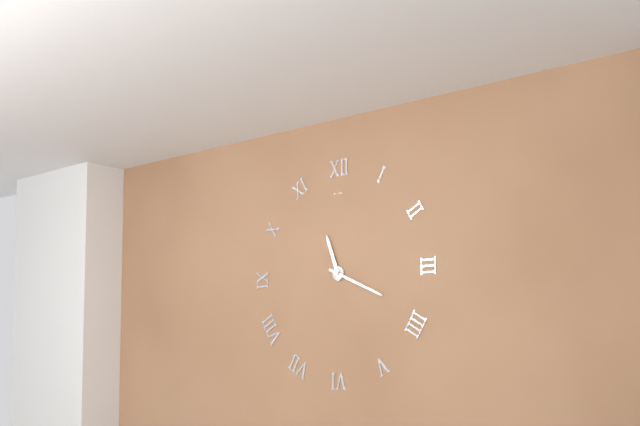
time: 11:19
